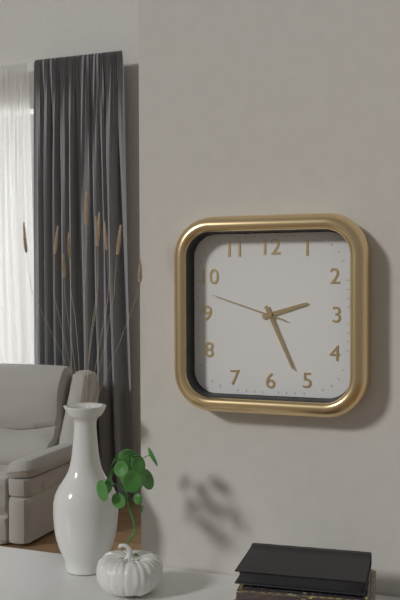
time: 2:26:48
